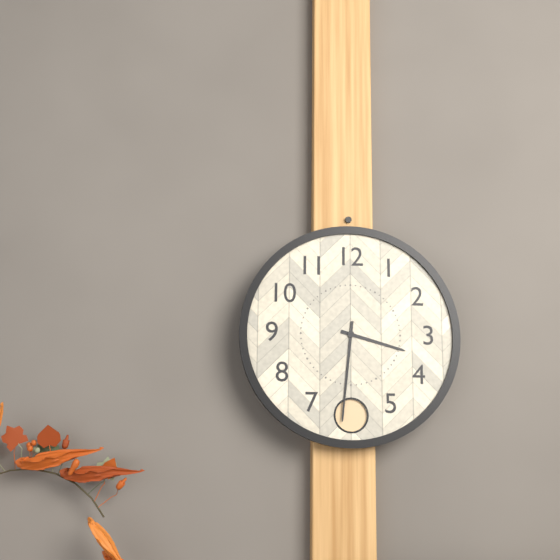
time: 3:31
